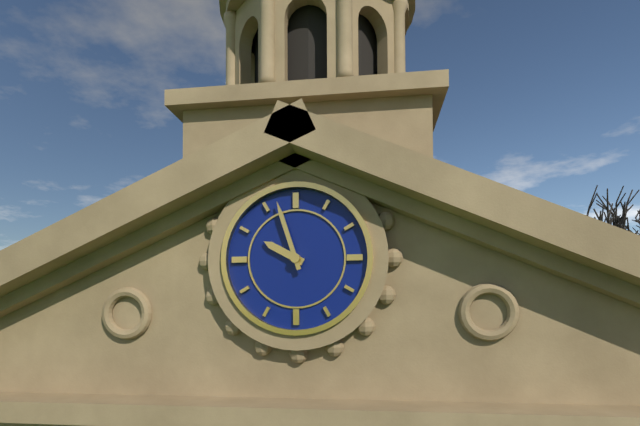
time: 9:57
